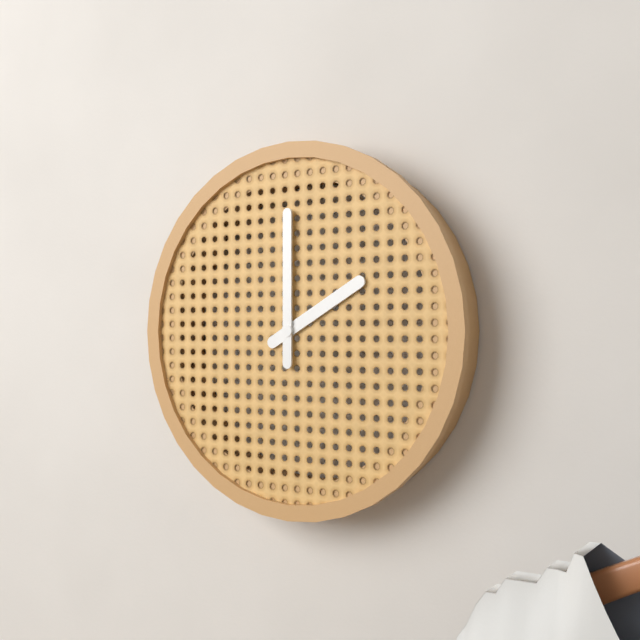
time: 2:00
